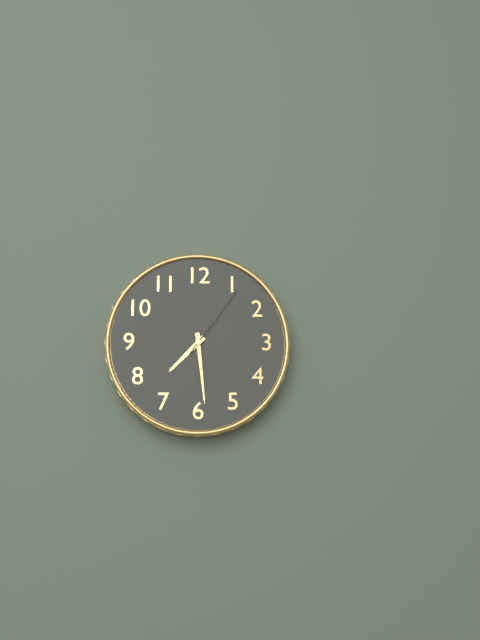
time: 7:29:06
